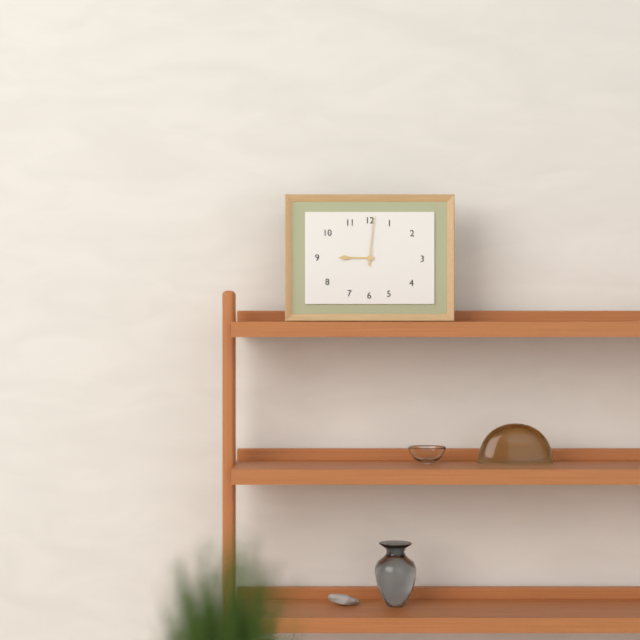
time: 9:01
